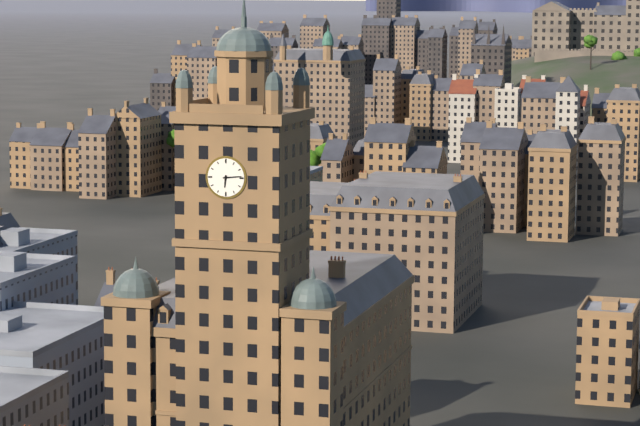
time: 6:14
